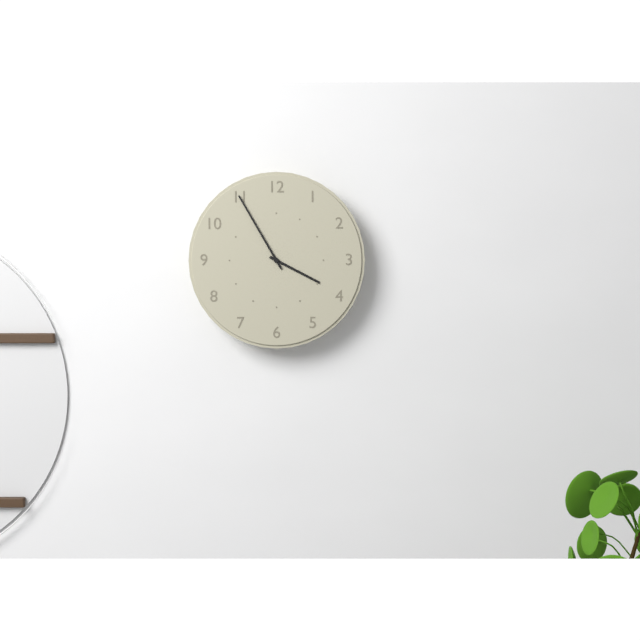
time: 3:55
